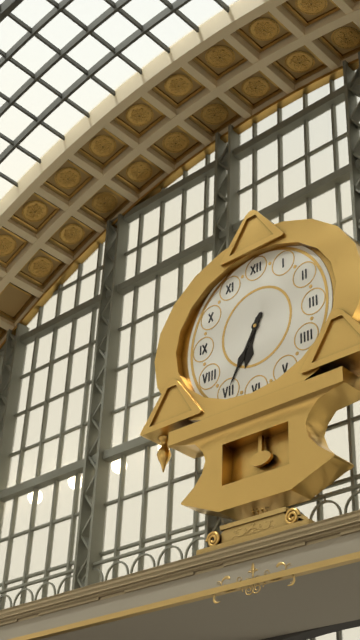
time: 6:35
